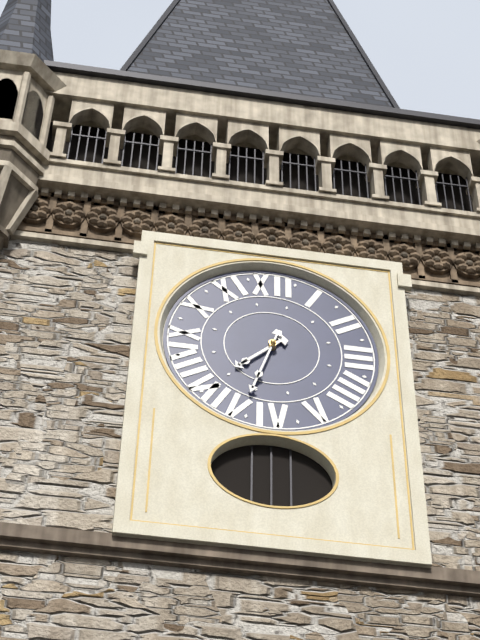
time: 7:33
